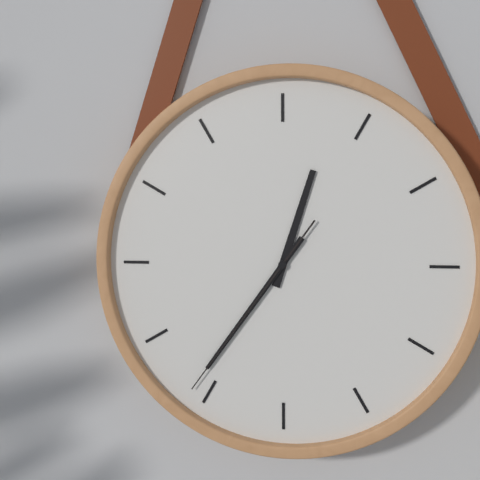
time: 12:36:36
